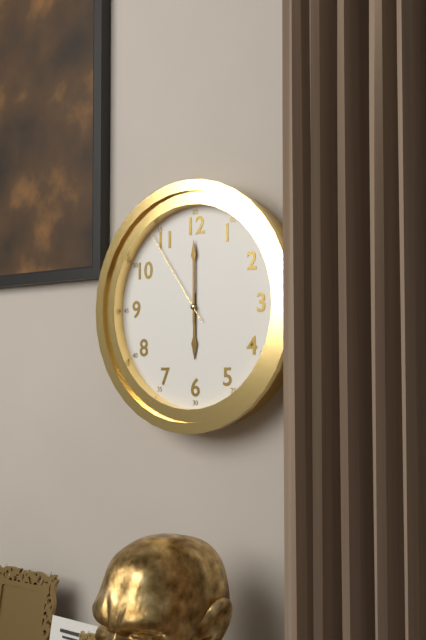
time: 6:00:54
